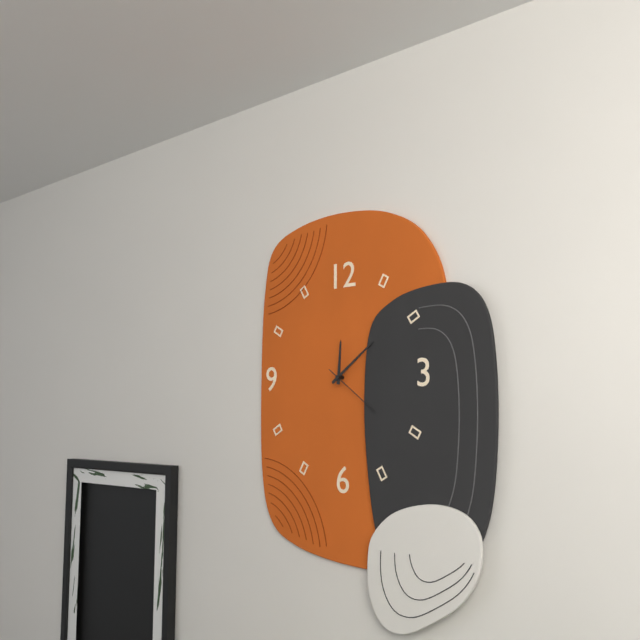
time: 12:09:21
